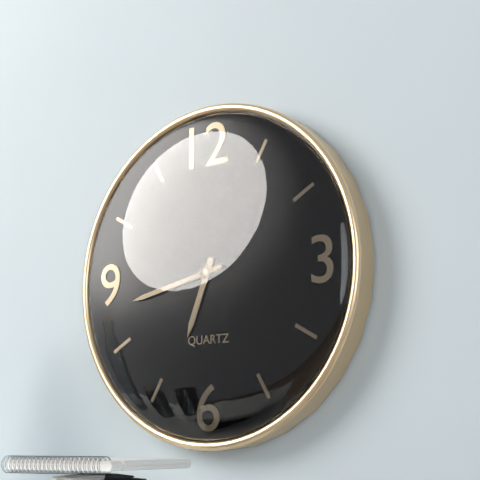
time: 6:43
